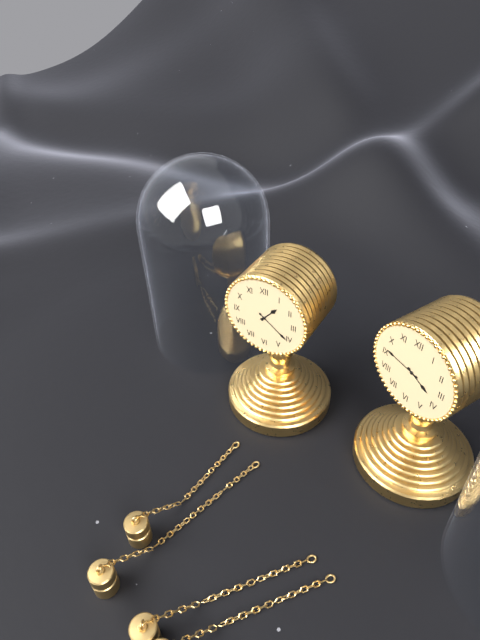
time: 1:21
